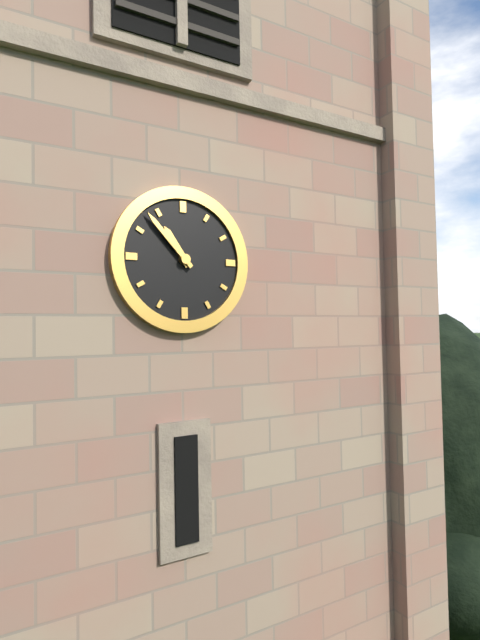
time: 10:53
